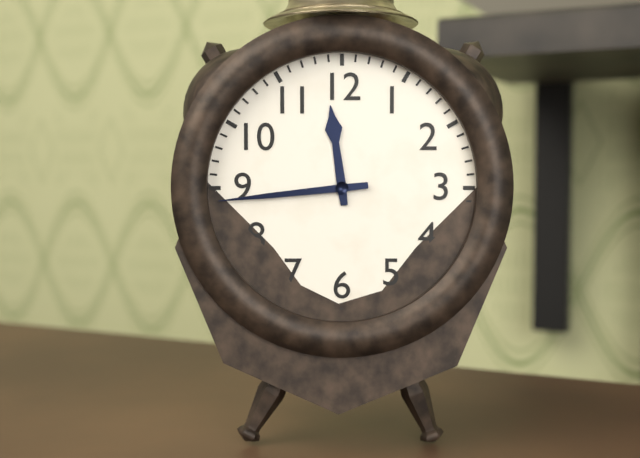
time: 11:44
